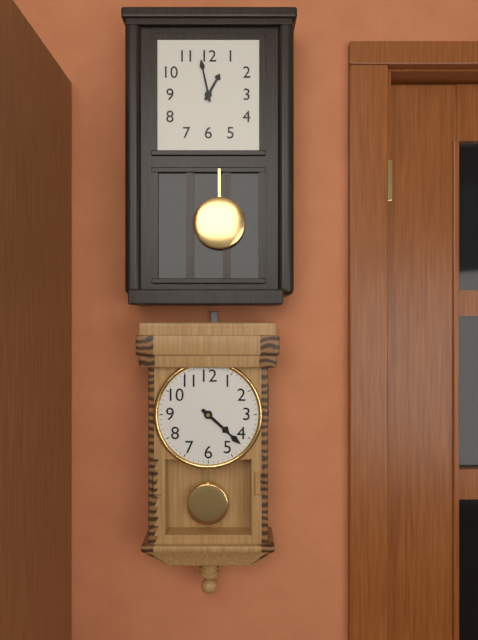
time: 4:22
